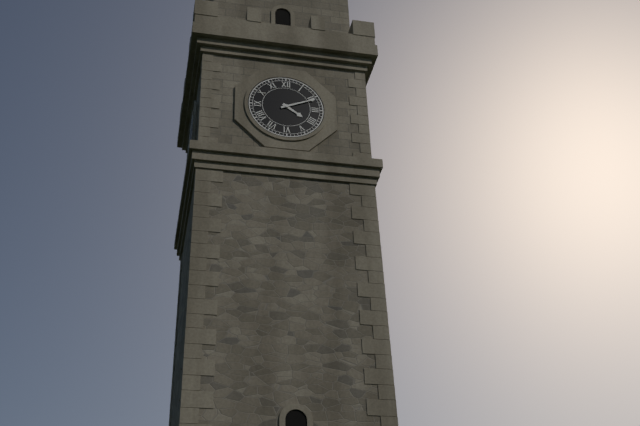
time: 4:11
